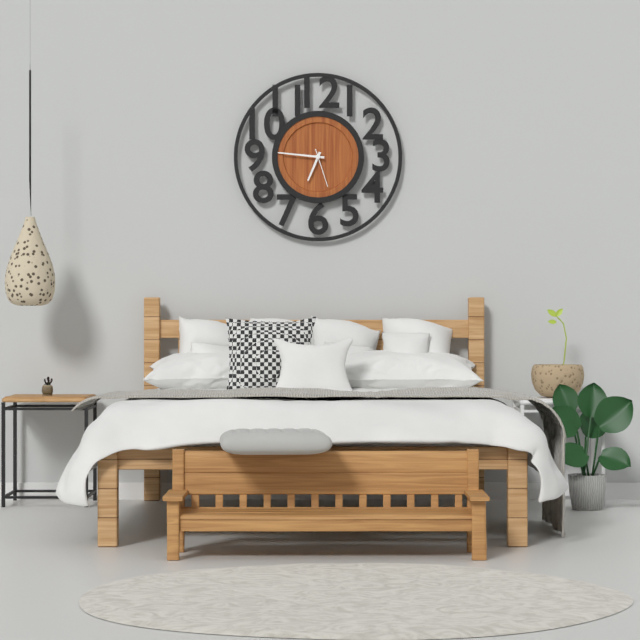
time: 6:46
